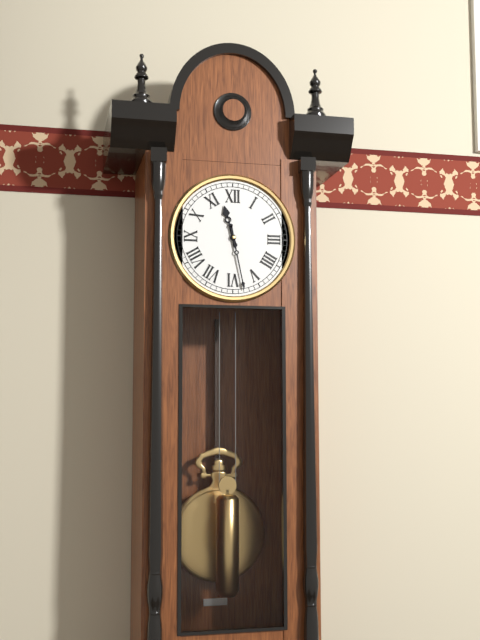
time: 11:28
